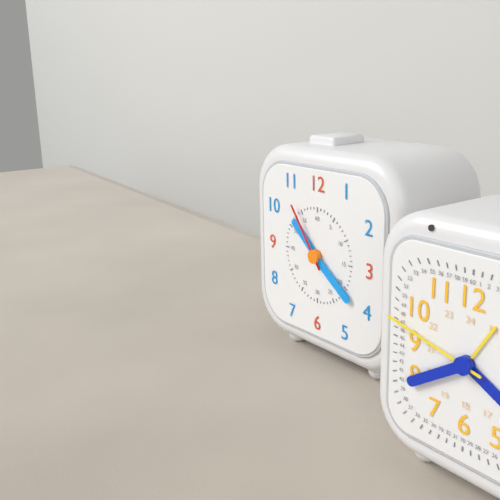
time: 10:21:54
